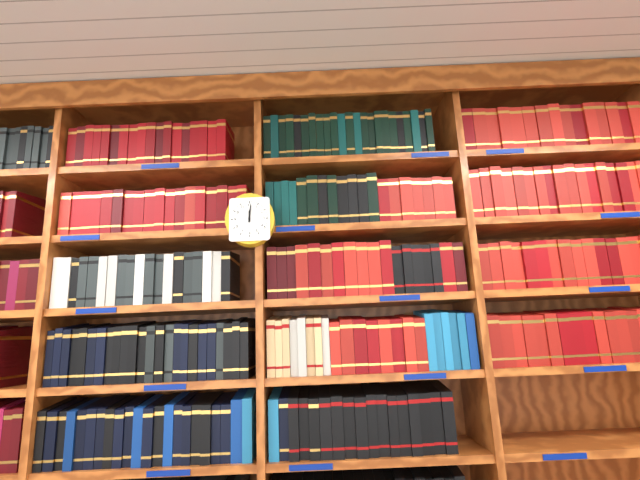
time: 12:01
